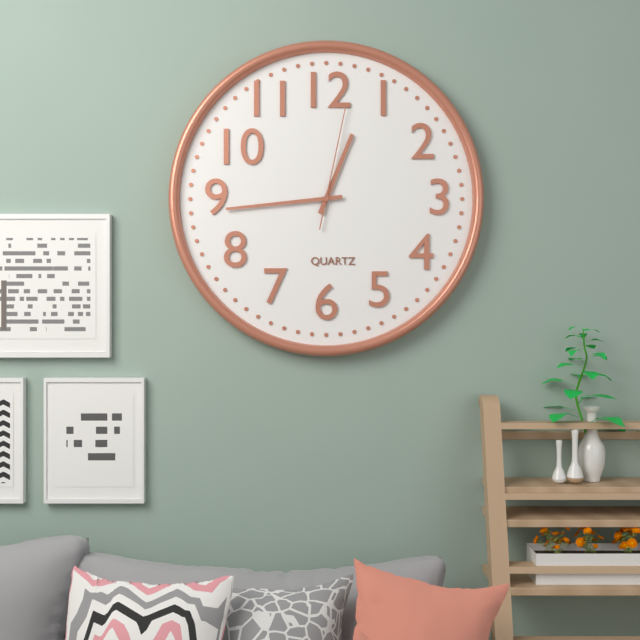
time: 12:44:02
